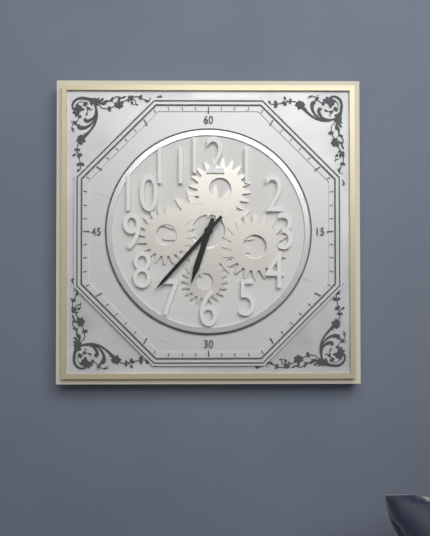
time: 6:37
